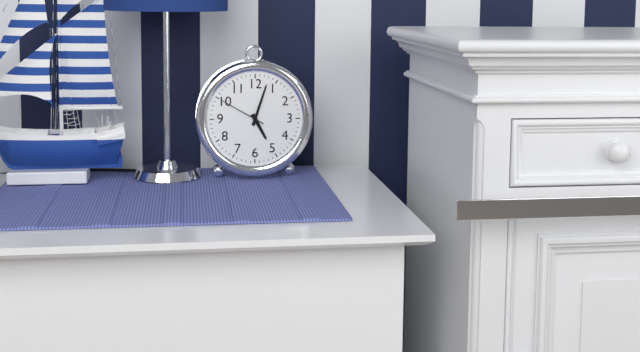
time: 5:03
